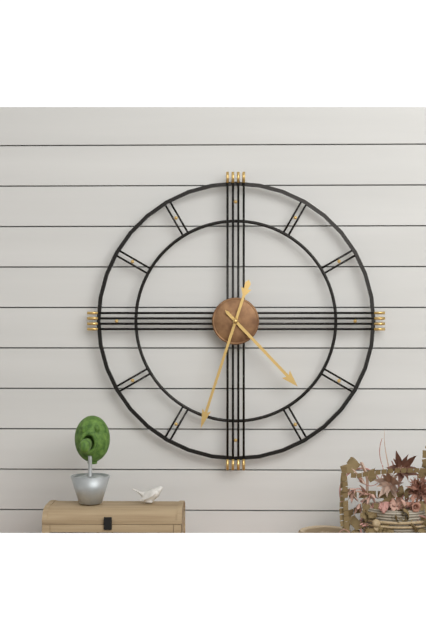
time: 4:33
